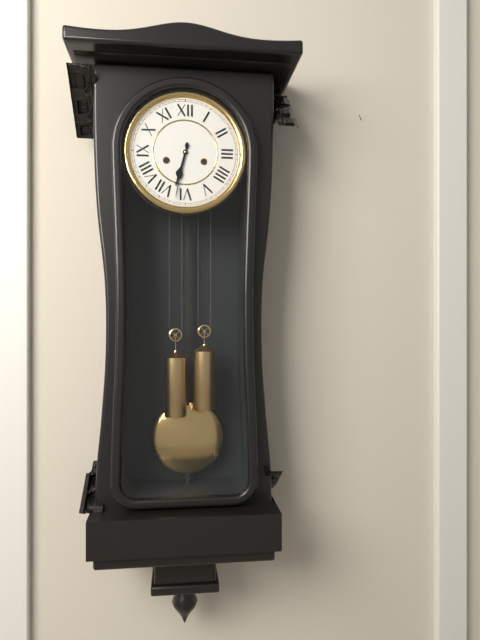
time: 6:32
